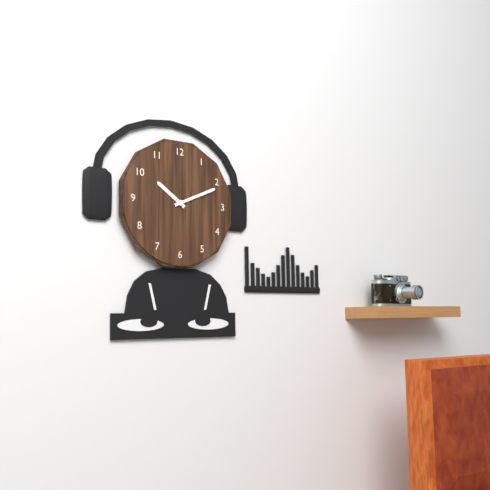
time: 10:11
